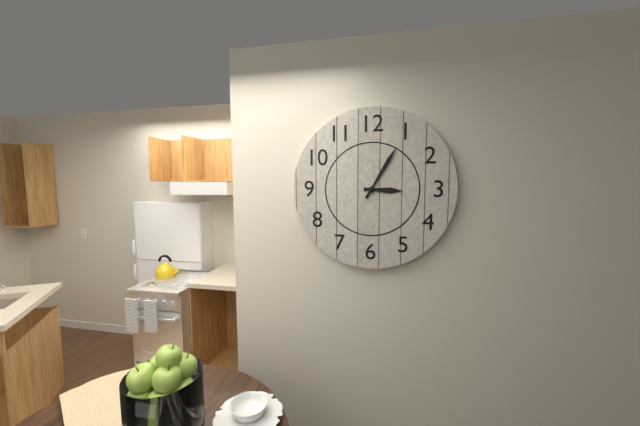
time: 3:05
